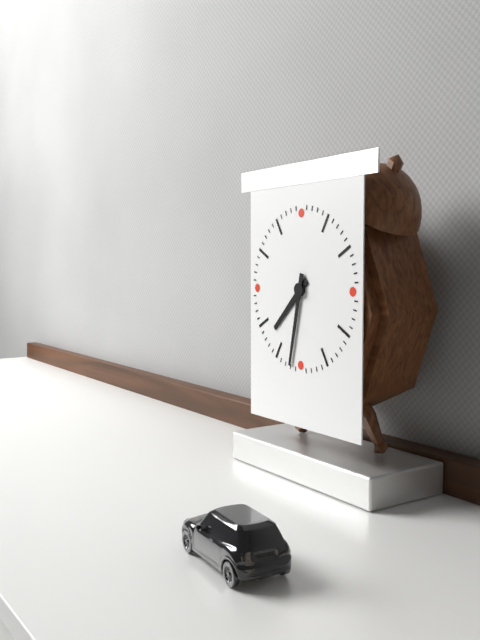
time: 7:32
